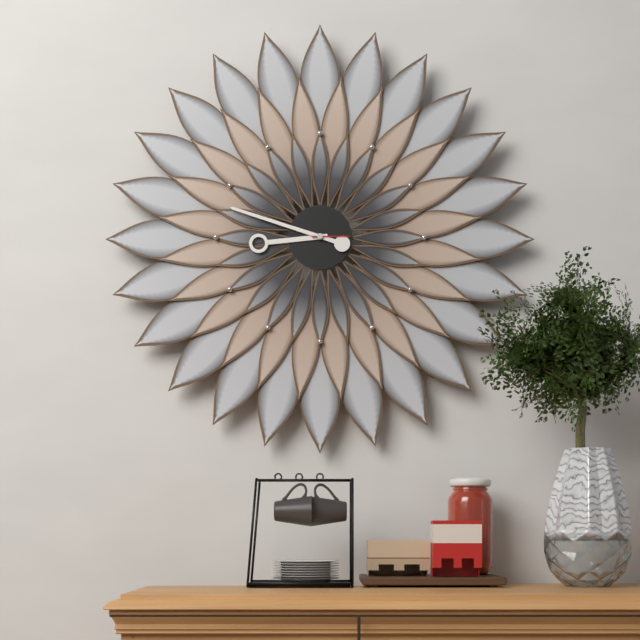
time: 8:48
